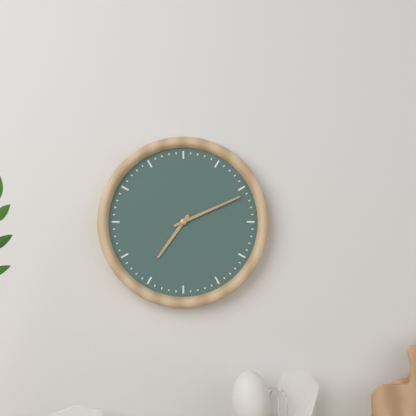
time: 7:11
